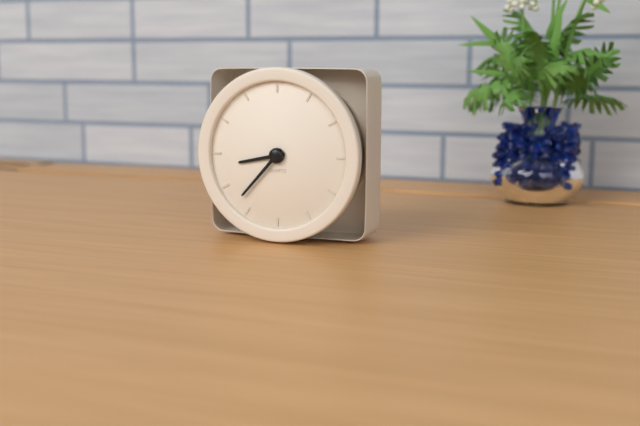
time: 8:37
